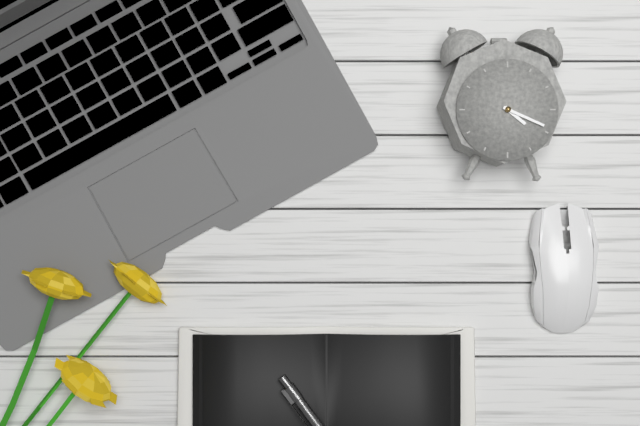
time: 4:19
